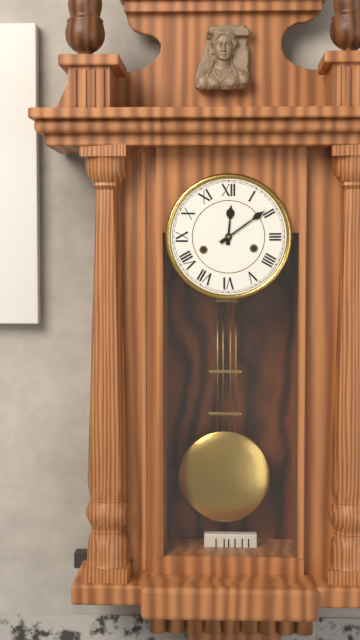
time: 12:09
